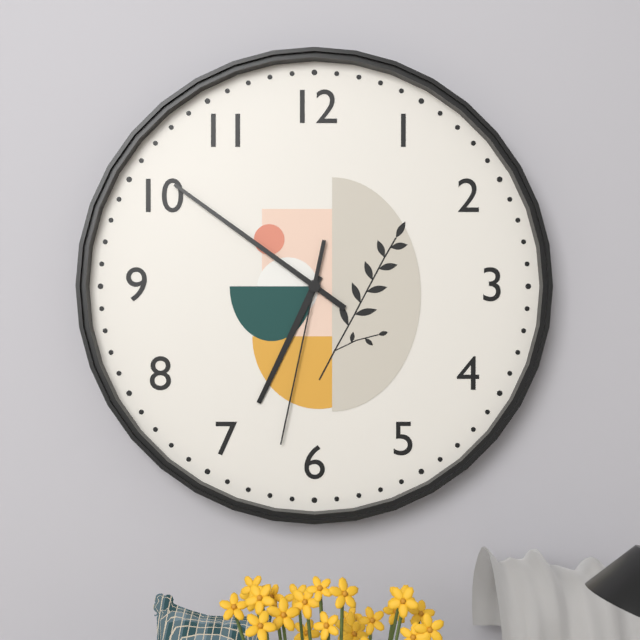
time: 6:51:32
